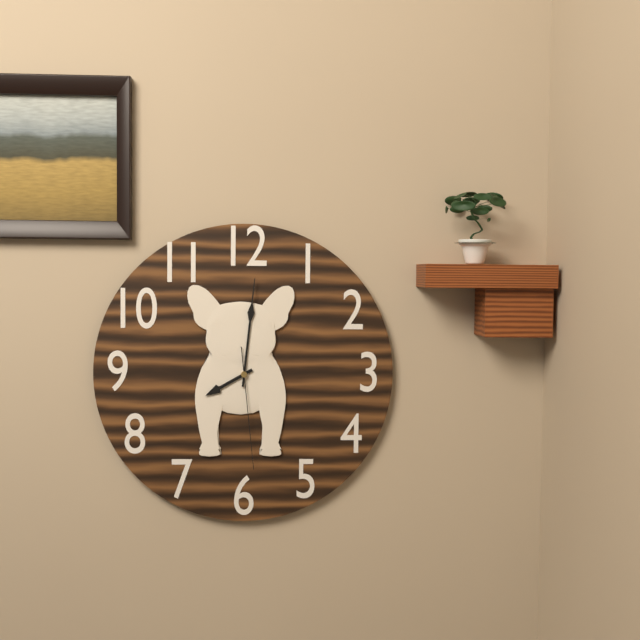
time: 8:01:29
